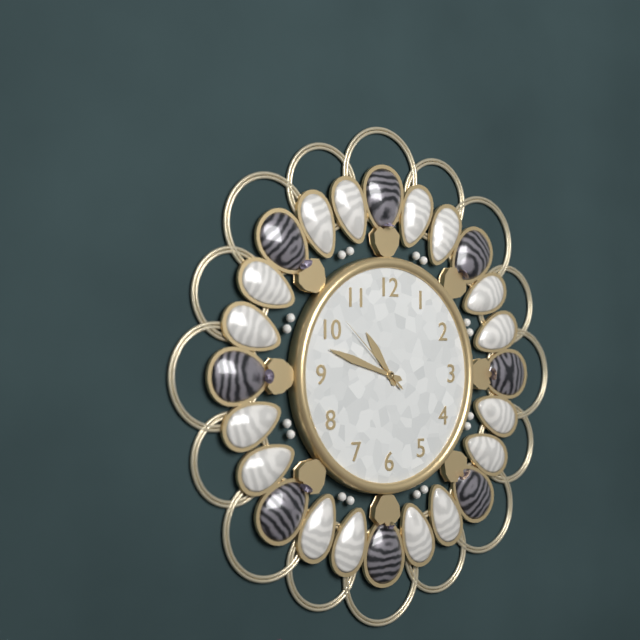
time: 10:48:52
